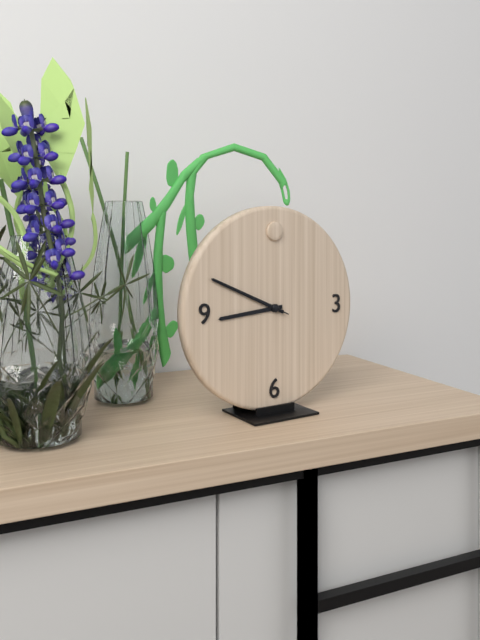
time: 8:49:49
